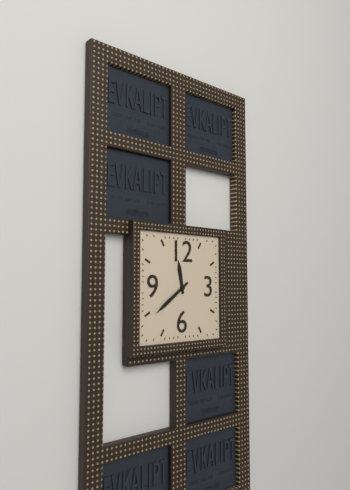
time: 11:39
